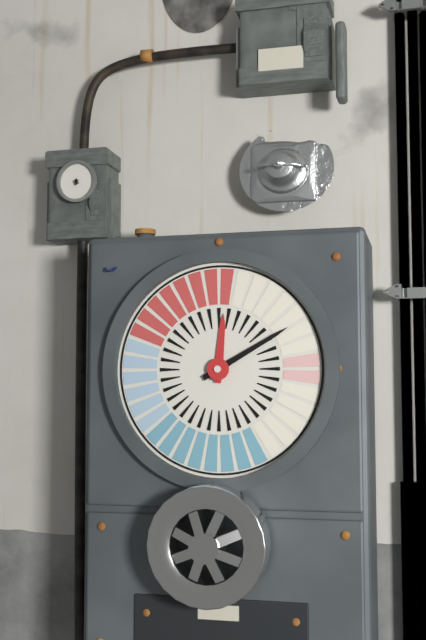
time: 12:10
